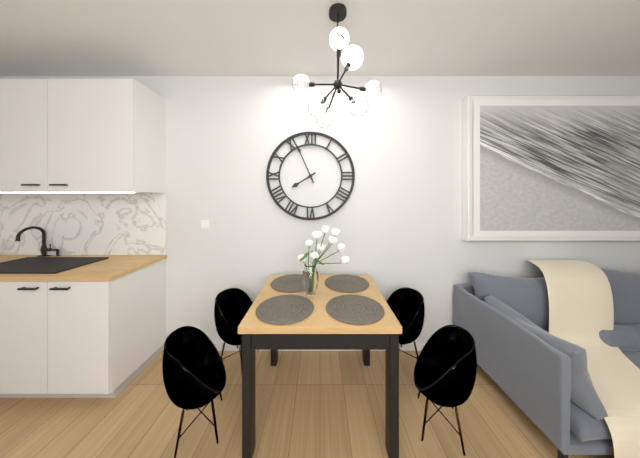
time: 7:56
